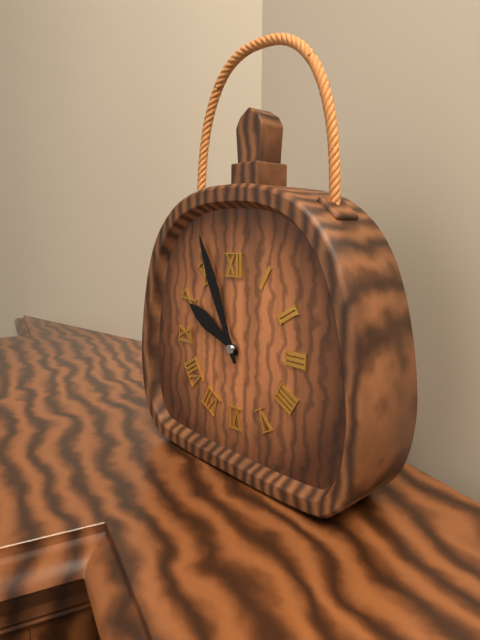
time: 9:56
